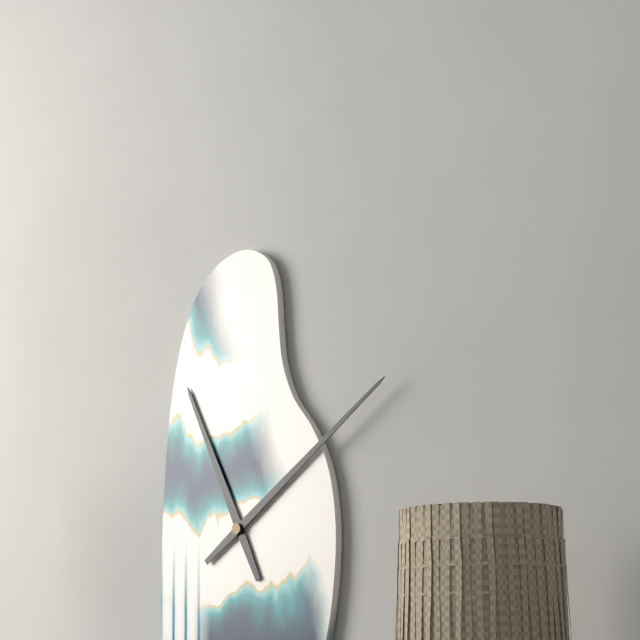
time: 11:09
